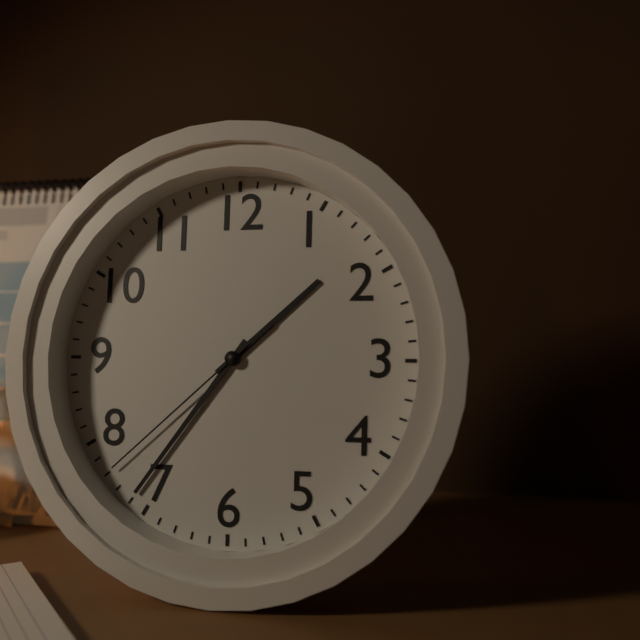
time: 1:36:38
